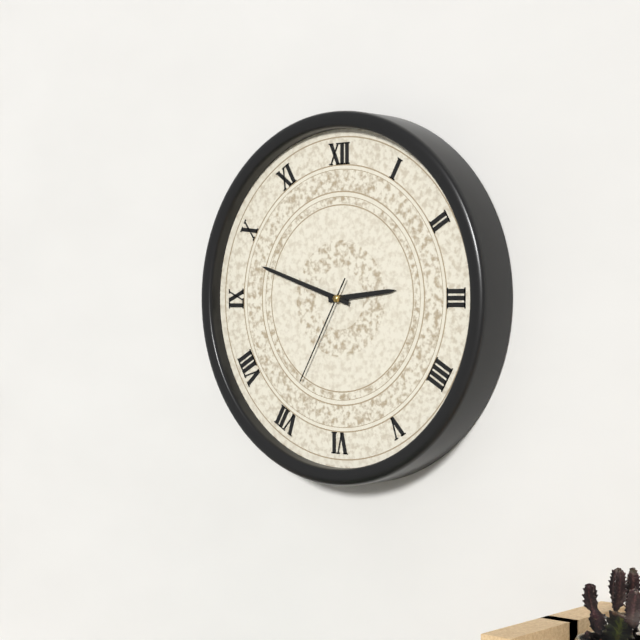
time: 2:48:35
